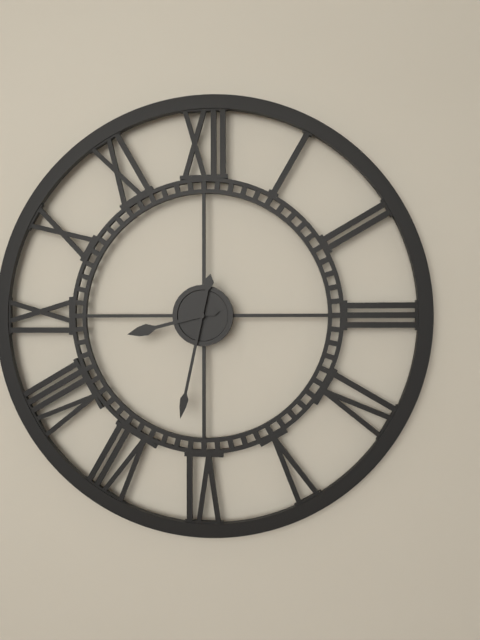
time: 8:32
